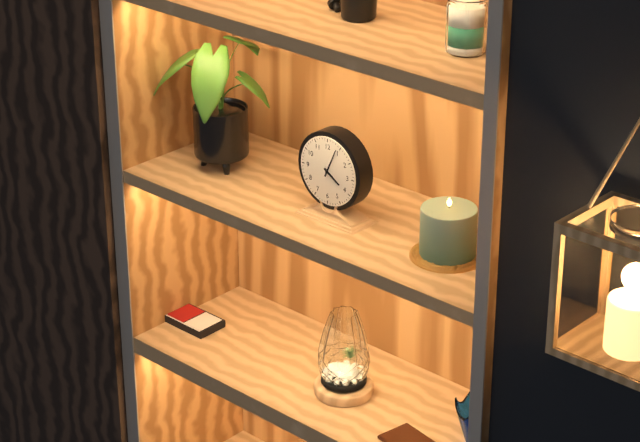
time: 4:04
